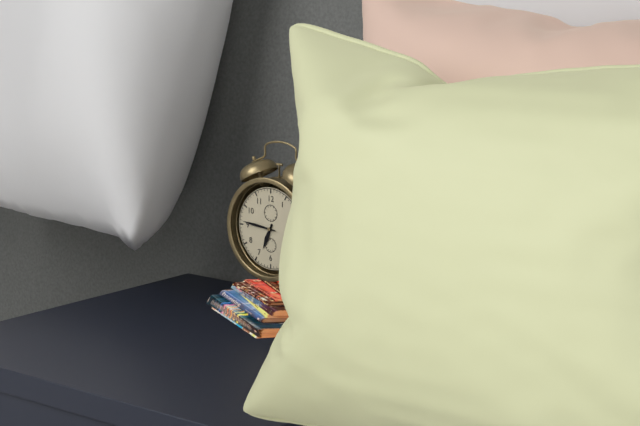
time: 6:46
